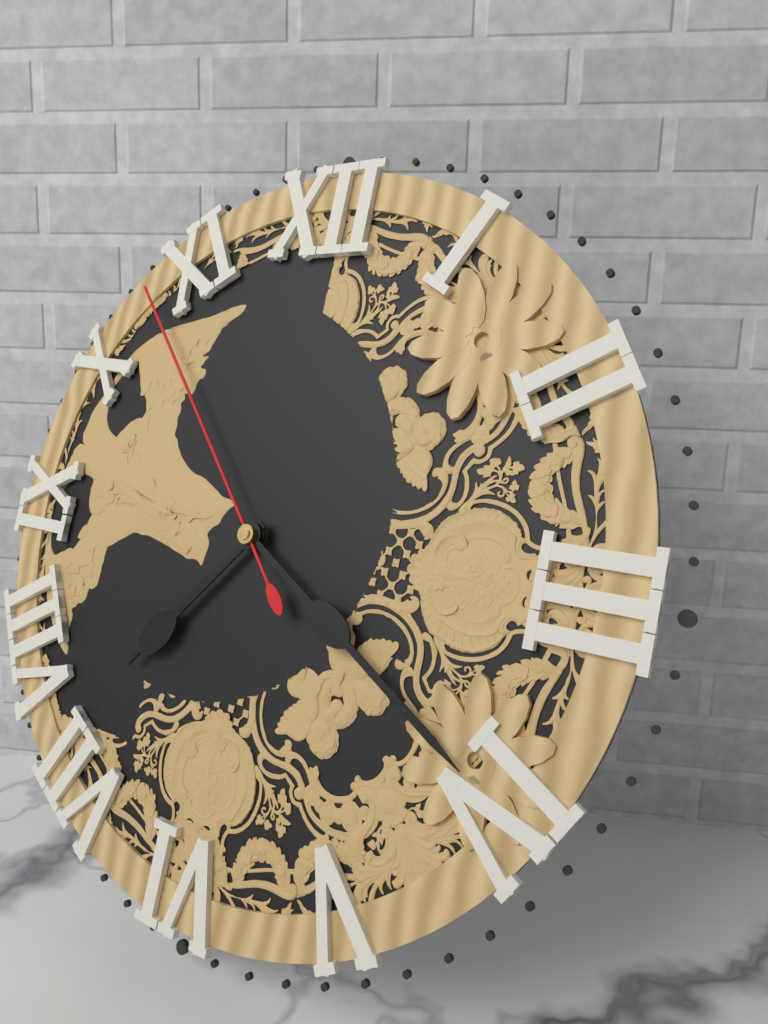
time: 7:20:53
